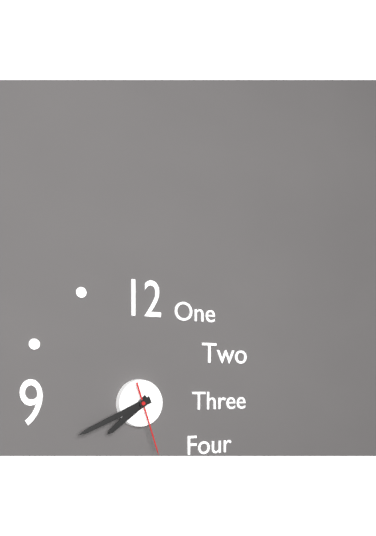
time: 7:41:27
